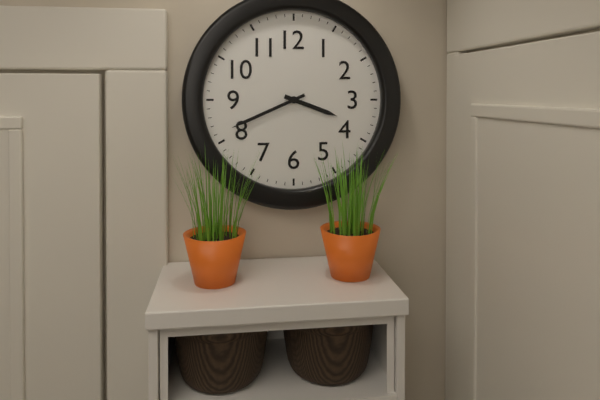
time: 3:41
